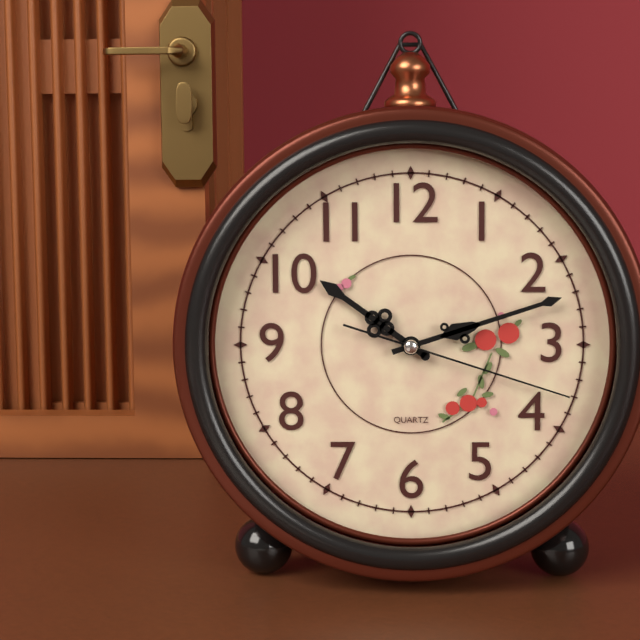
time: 10:12:18
